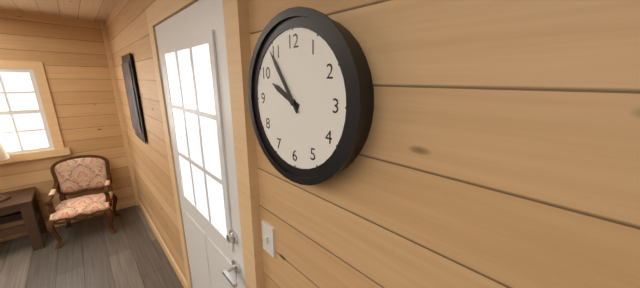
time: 9:54
